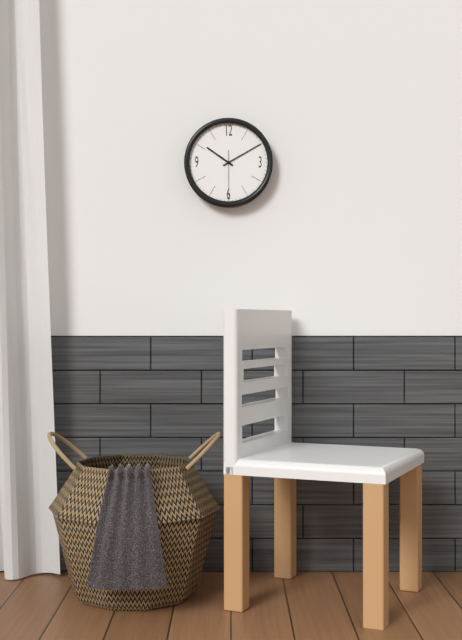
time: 10:10
